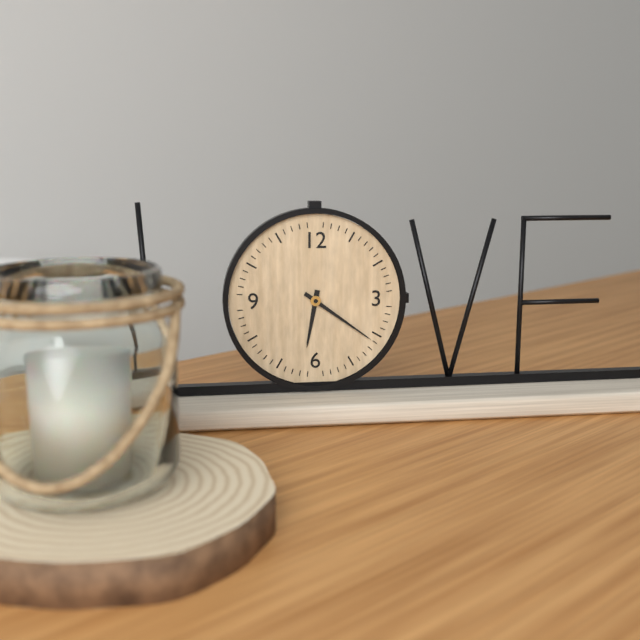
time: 6:21
